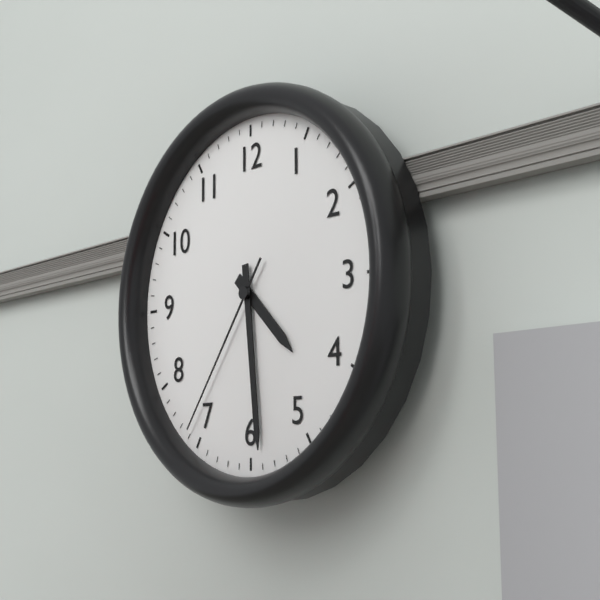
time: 4:29:36
